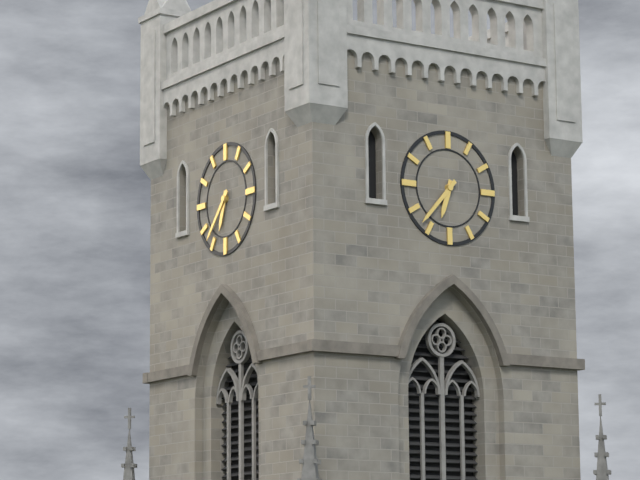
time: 6:37
